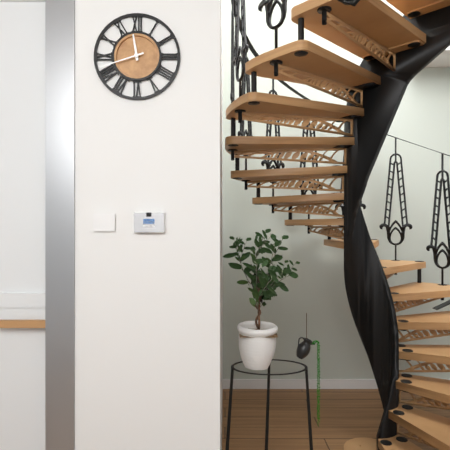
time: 11:42
